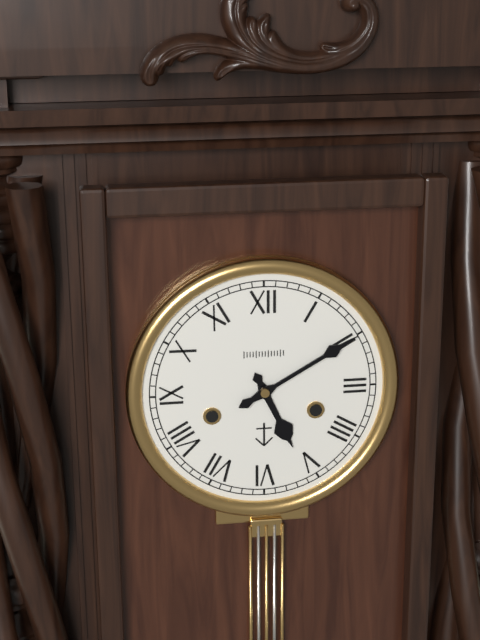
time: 5:10
